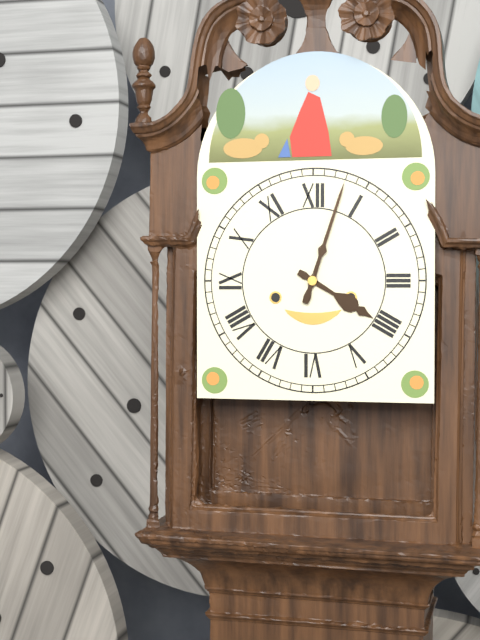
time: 4:03
